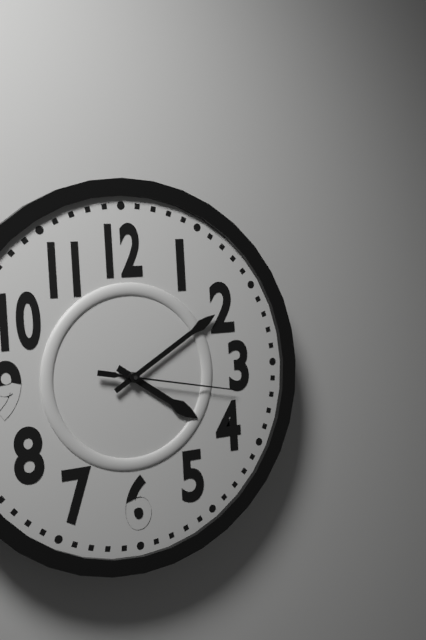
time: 4:10:17
